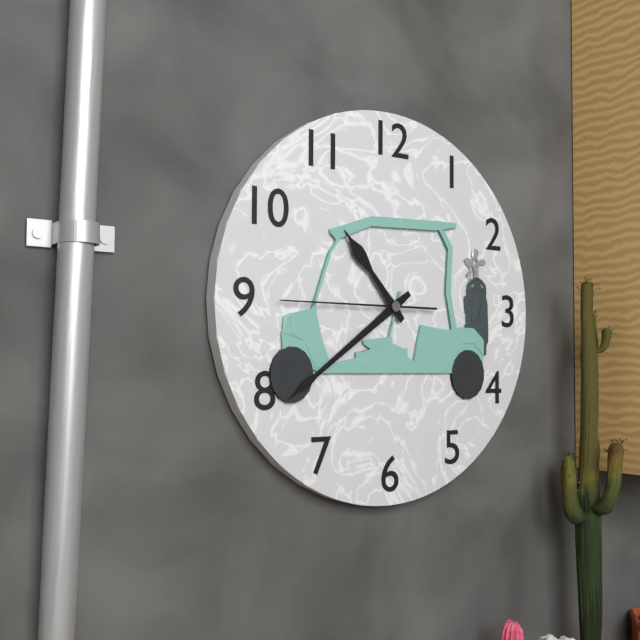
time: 10:39:45
